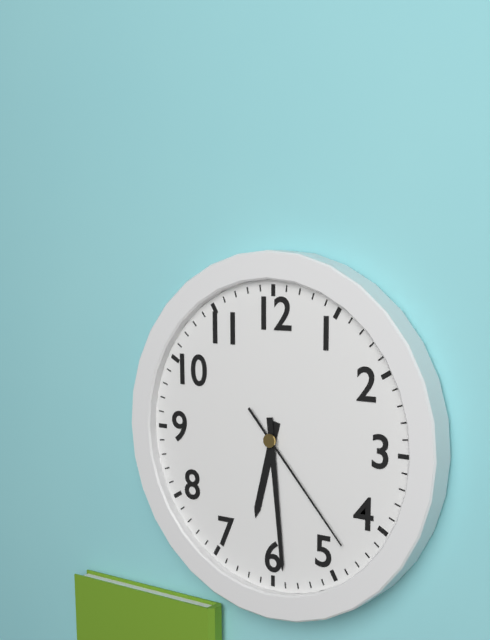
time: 6:29:23
